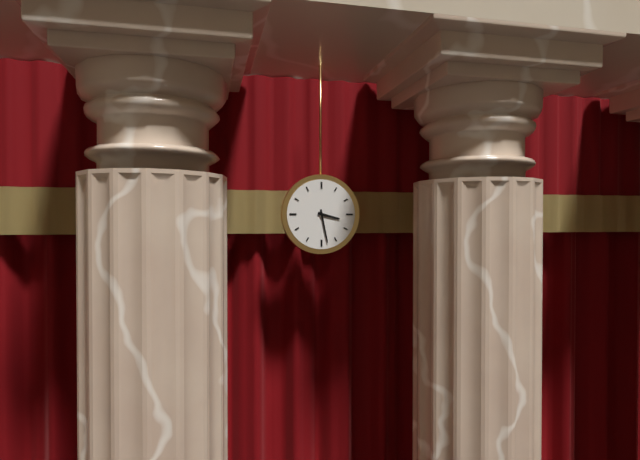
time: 3:28
